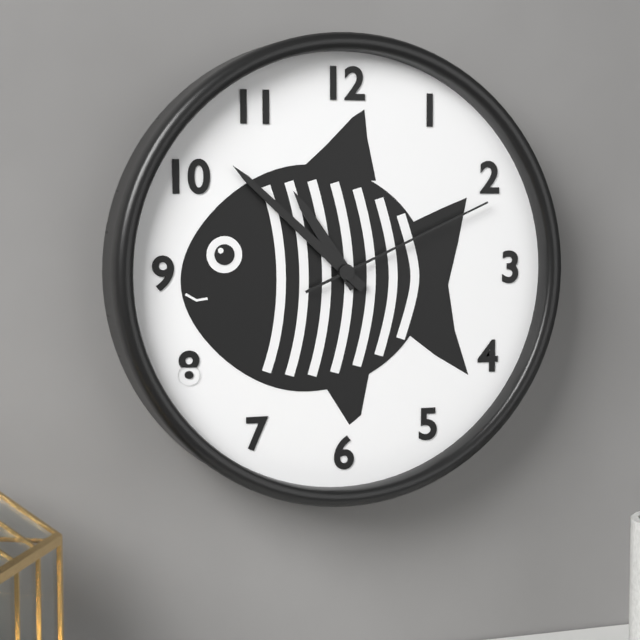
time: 10:52:11
